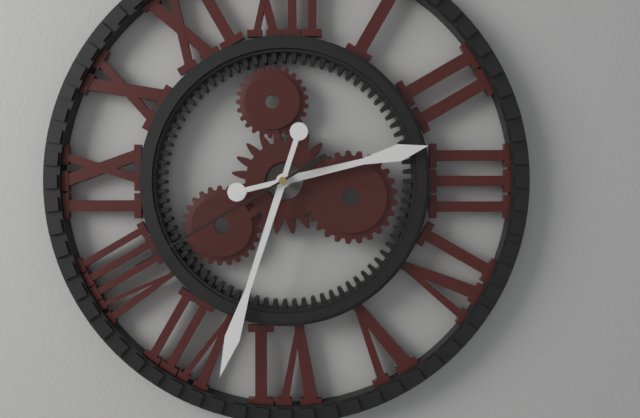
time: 2:33:40
